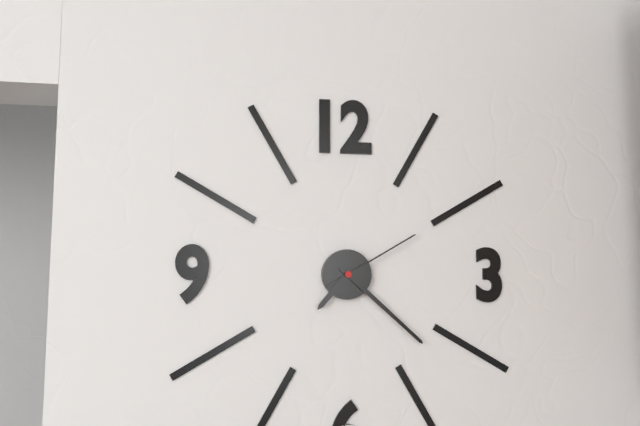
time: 7:22:10
